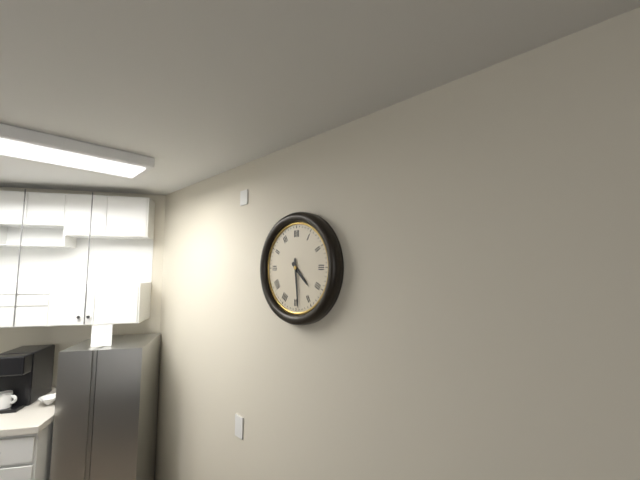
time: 4:29
